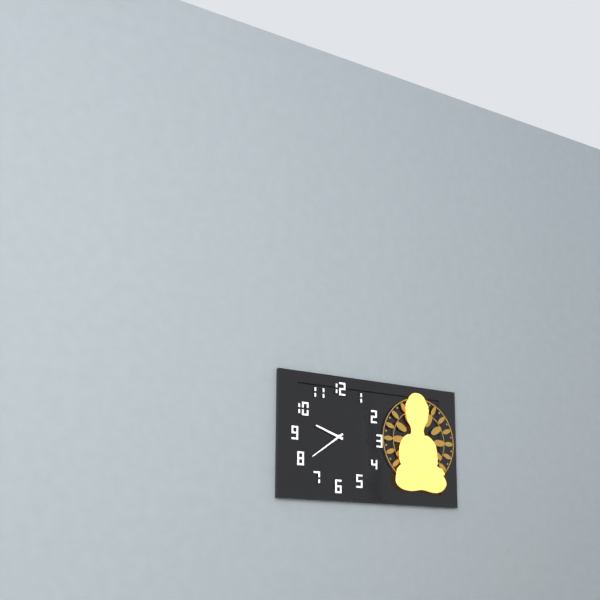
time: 9:39
